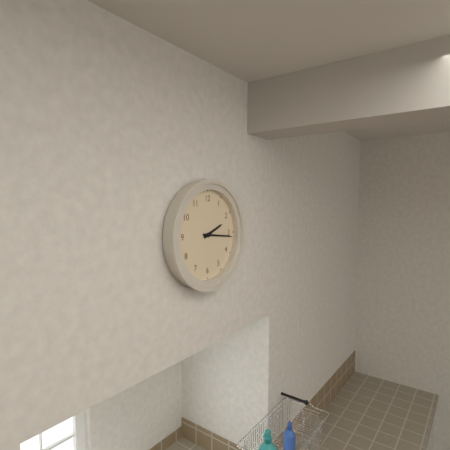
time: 2:16
